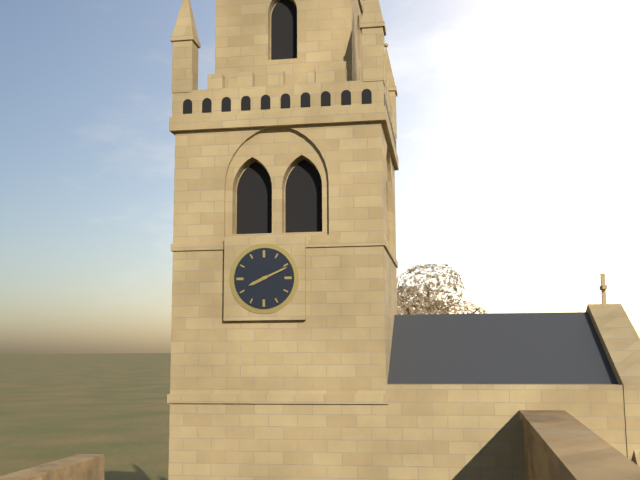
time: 8:11
